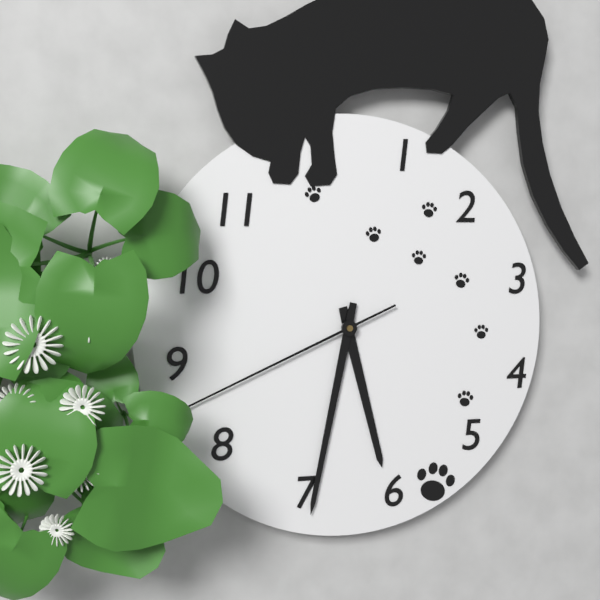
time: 5:32:41
